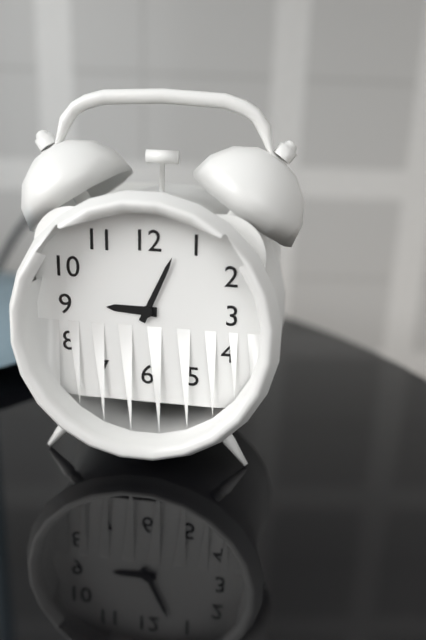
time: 9:04
